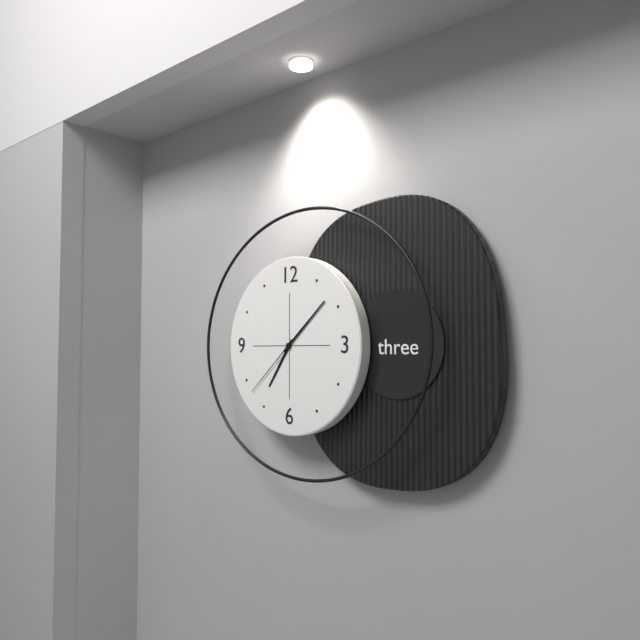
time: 7:08:38
